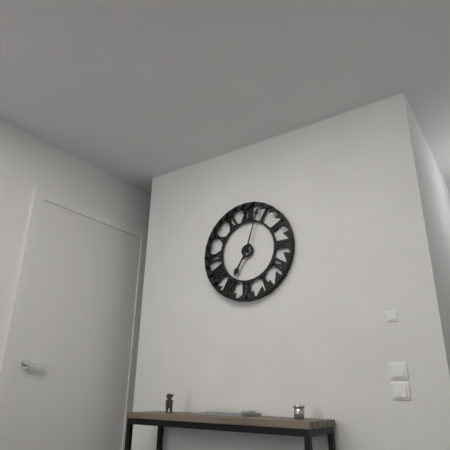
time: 7:03
